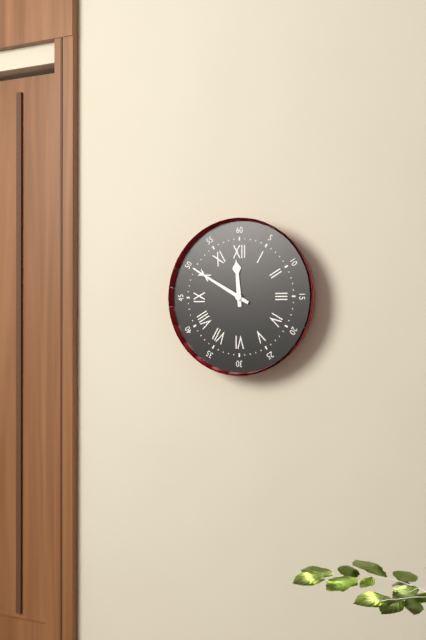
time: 11:50
